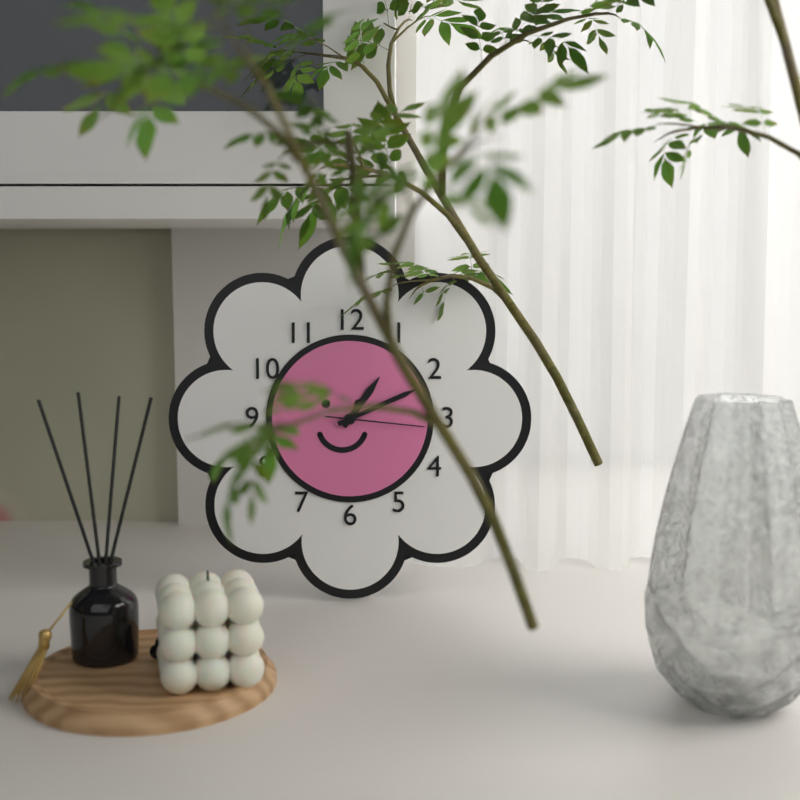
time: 1:11:16
